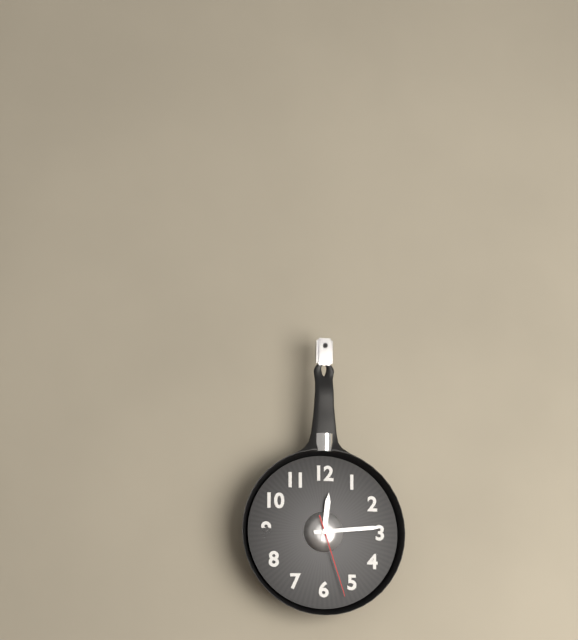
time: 12:14:27
